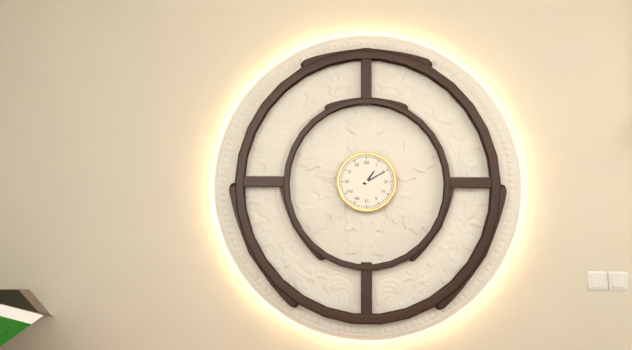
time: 1:10
